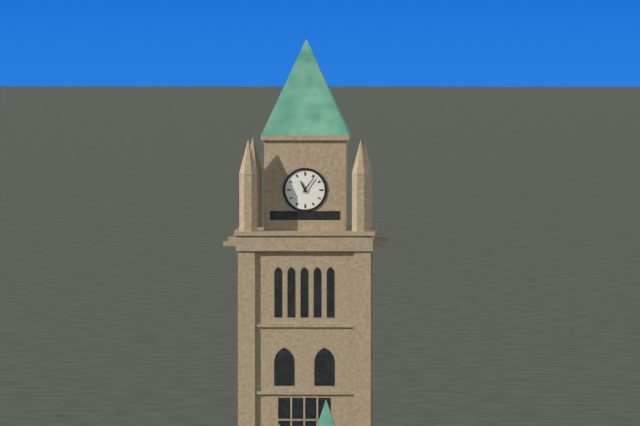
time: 11:06
